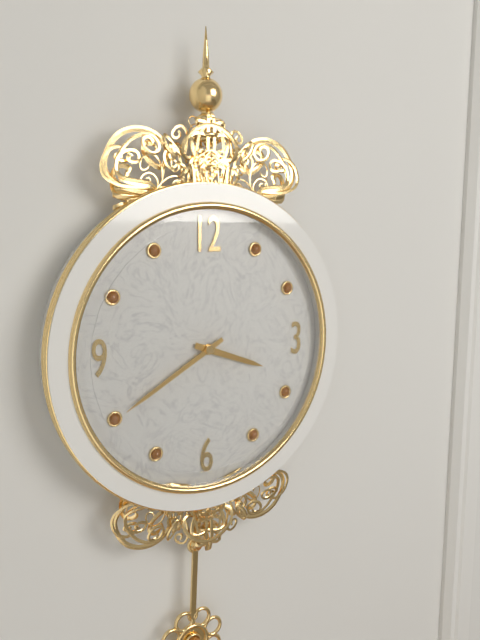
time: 3:40
